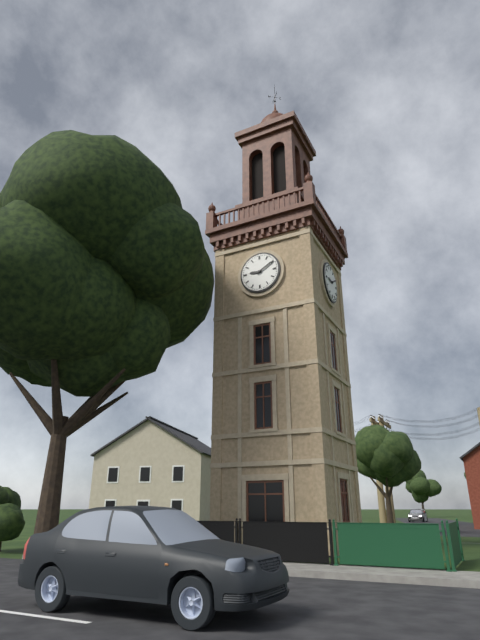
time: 9:10
